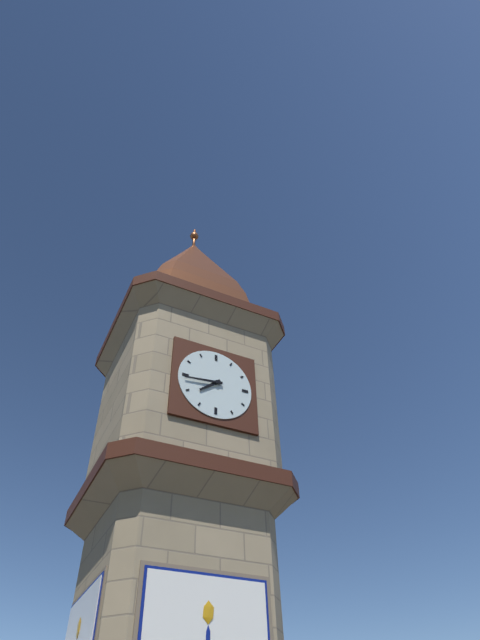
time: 7:44
